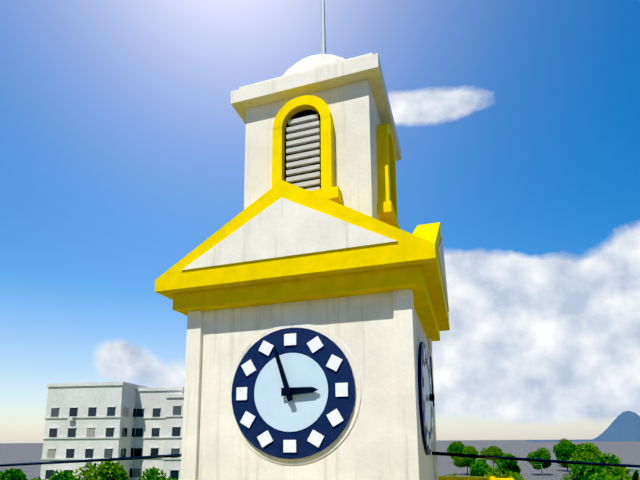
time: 2:57
